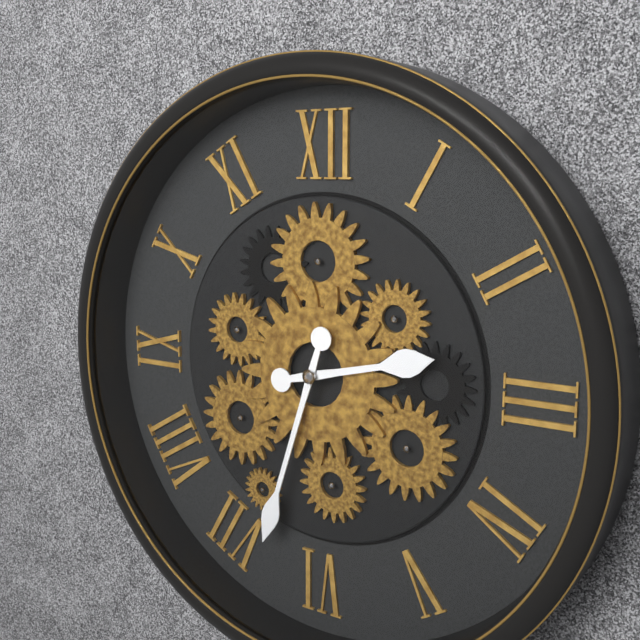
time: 2:33
